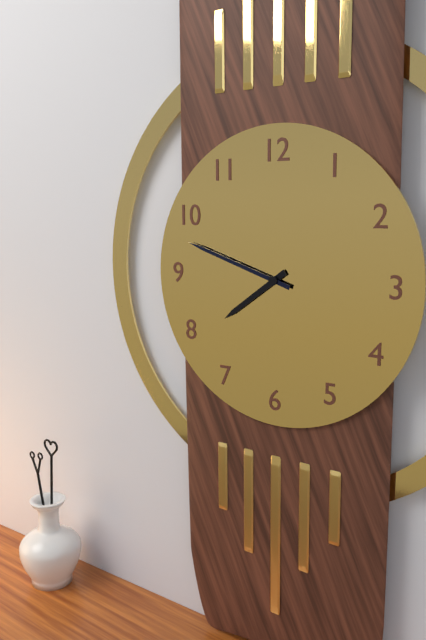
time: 7:48
